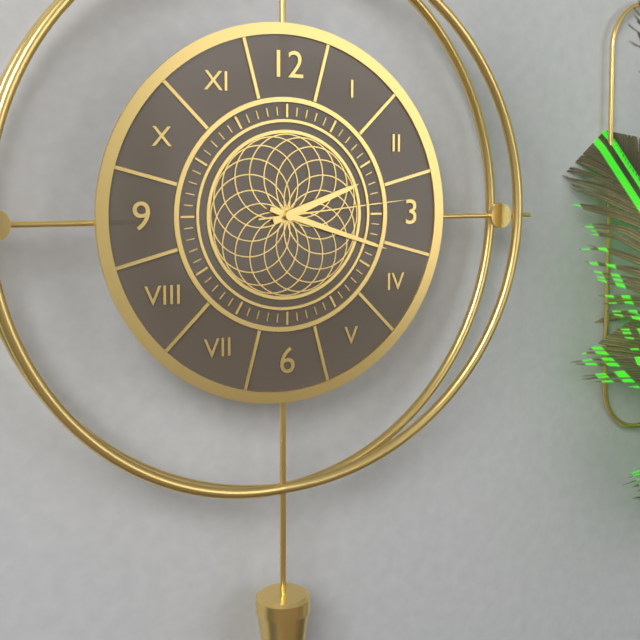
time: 2:18:14
